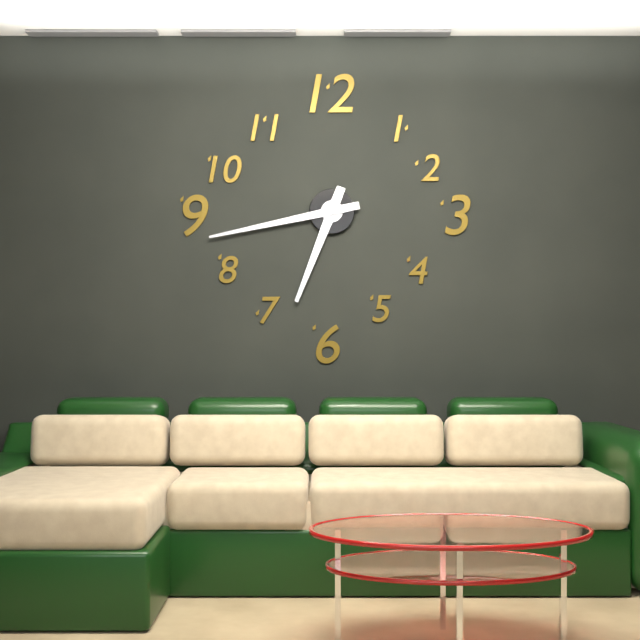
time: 6:43
